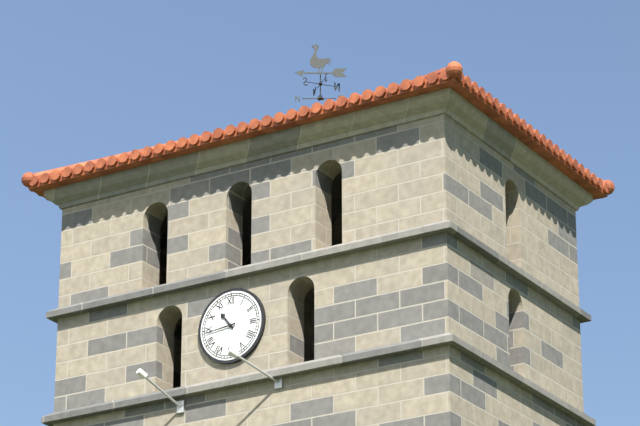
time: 10:44
